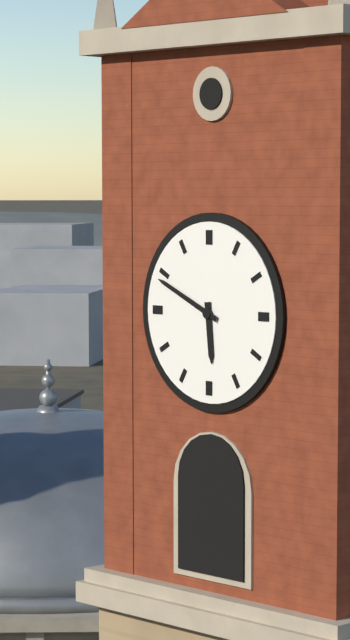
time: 5:49
